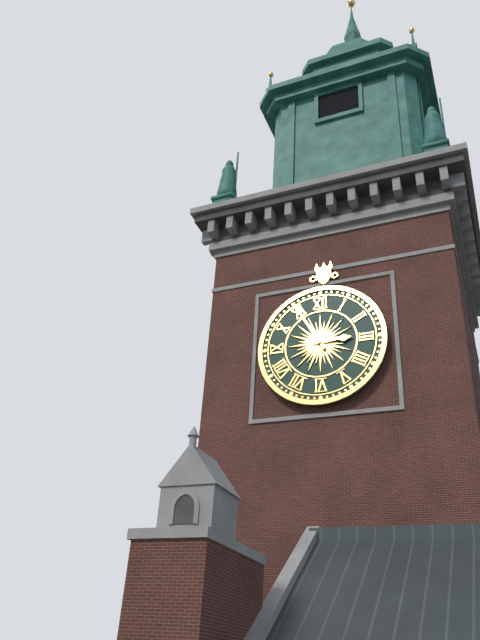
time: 2:55
